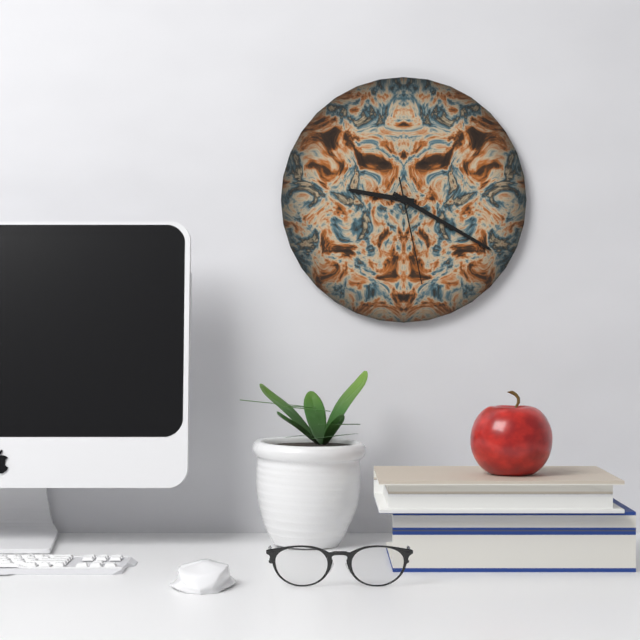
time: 9:20:28
